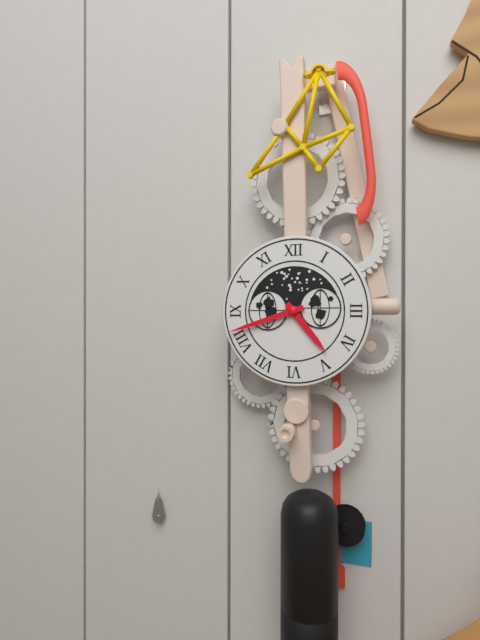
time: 4:42
